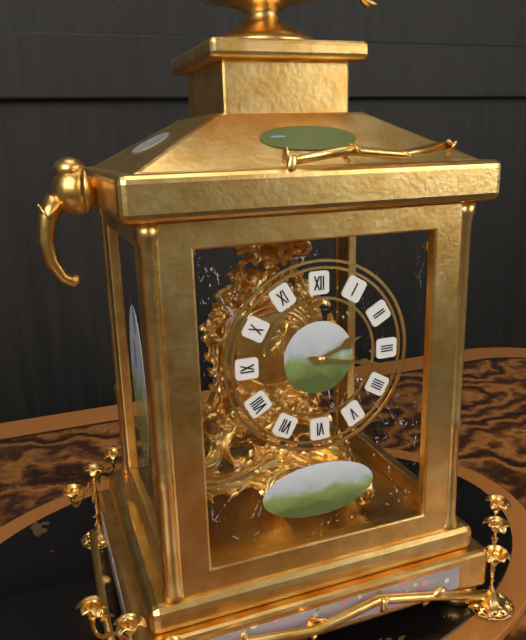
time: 2:17
